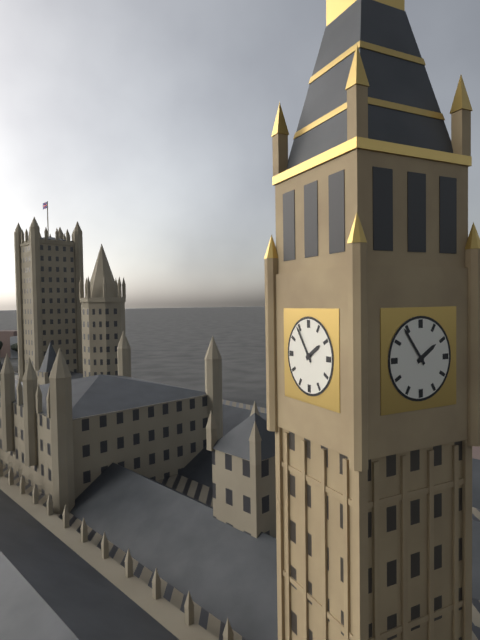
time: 1:54
